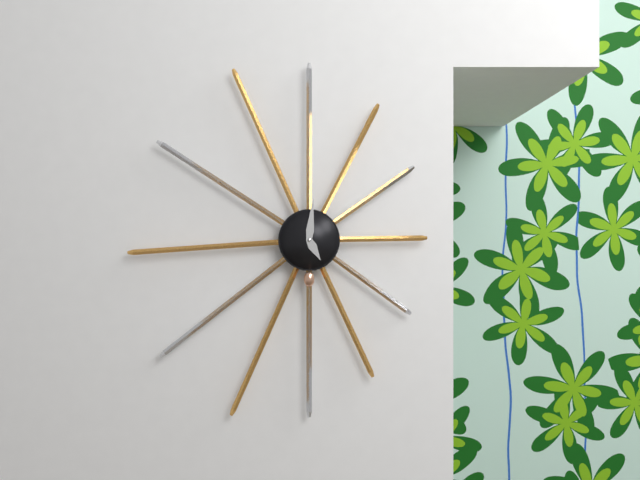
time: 5:01
